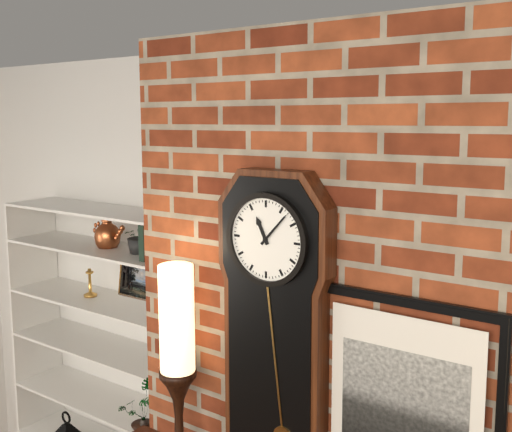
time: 11:07
